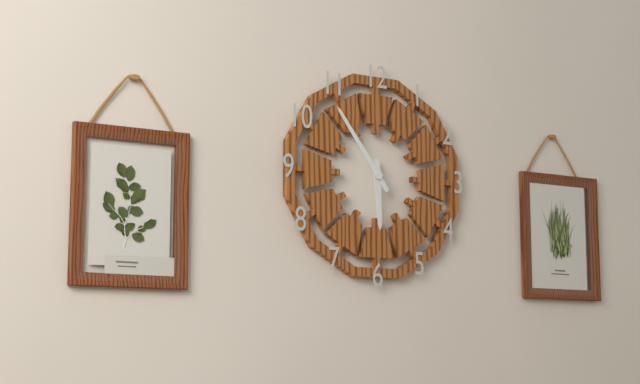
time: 5:54
